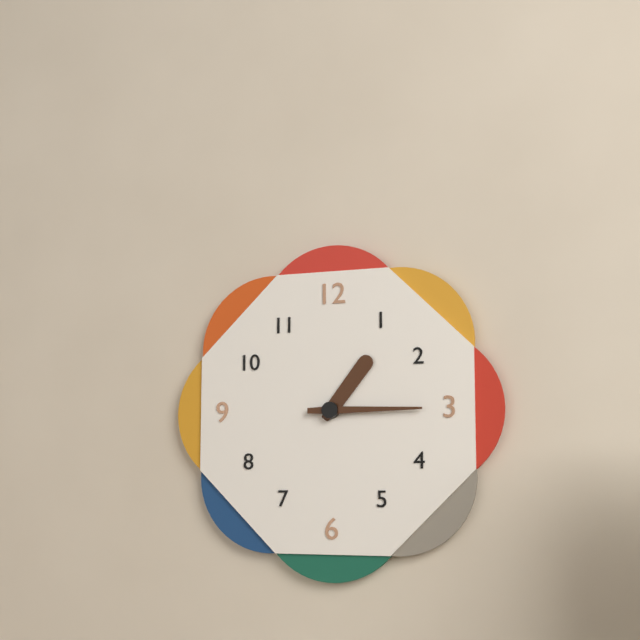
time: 1:15
